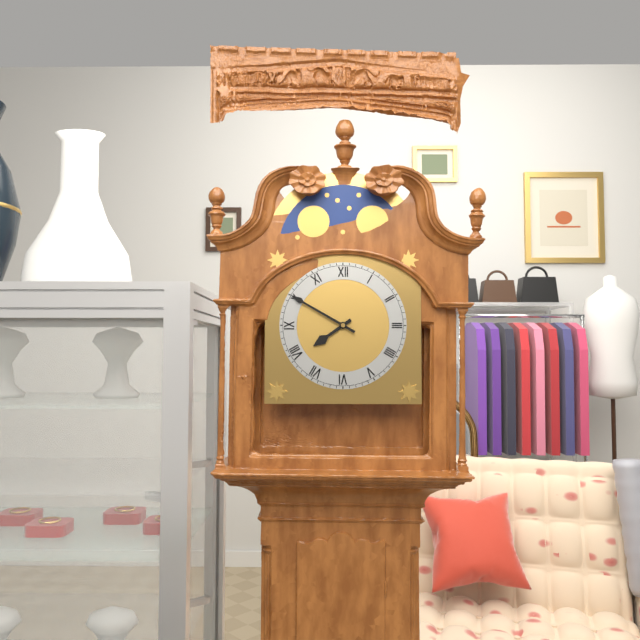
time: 7:50
